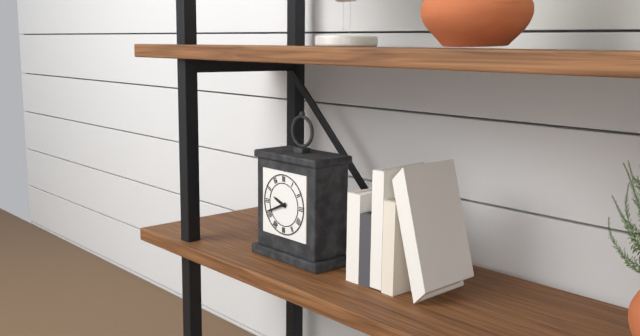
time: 9:41
